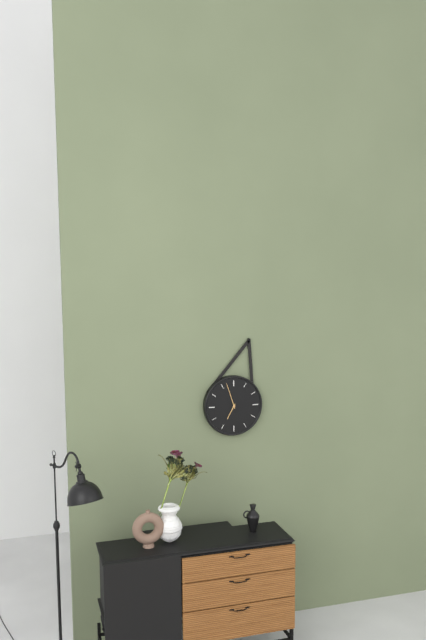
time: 6:57
